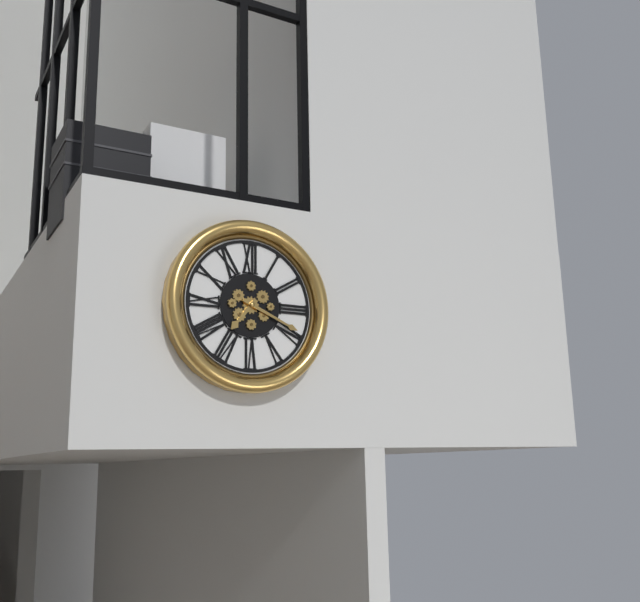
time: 7:19
